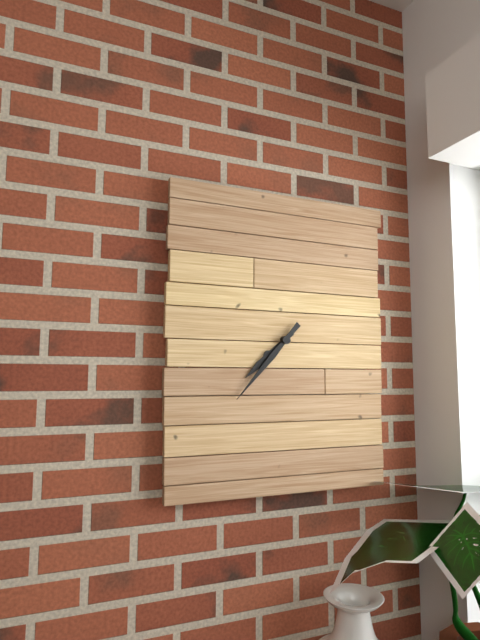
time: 7:37
